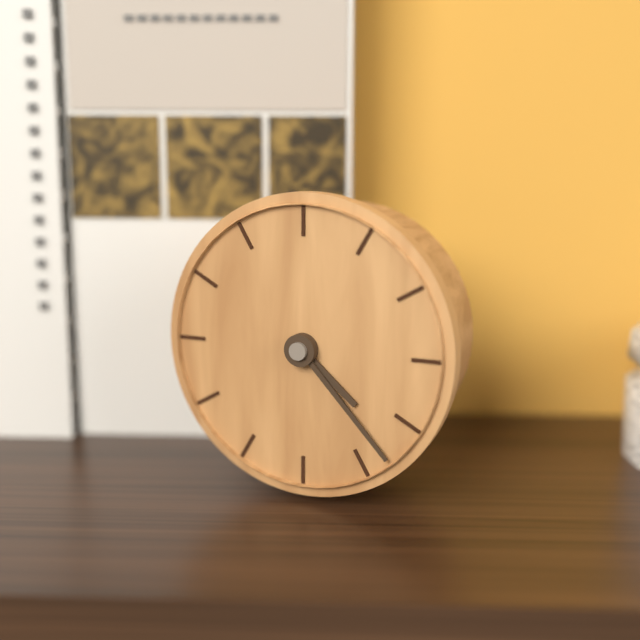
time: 4:23
